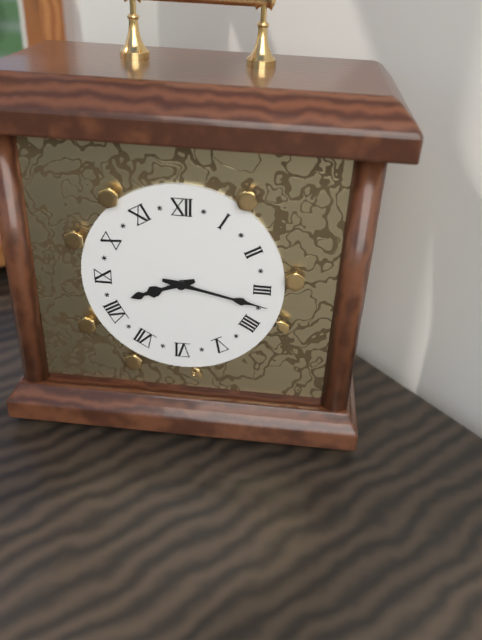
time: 8:17
